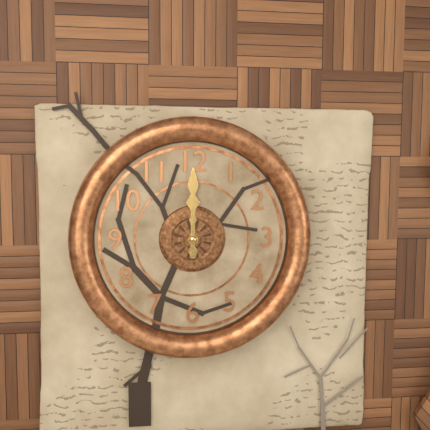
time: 12:00
